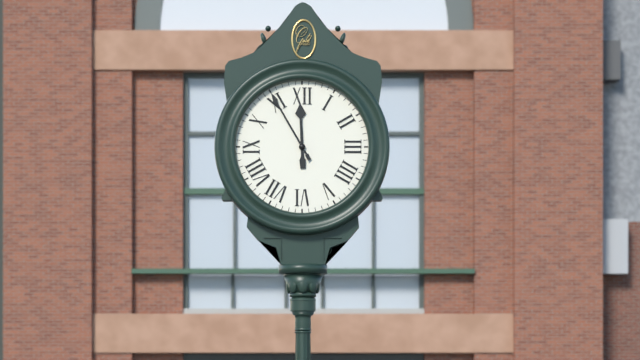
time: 11:55
